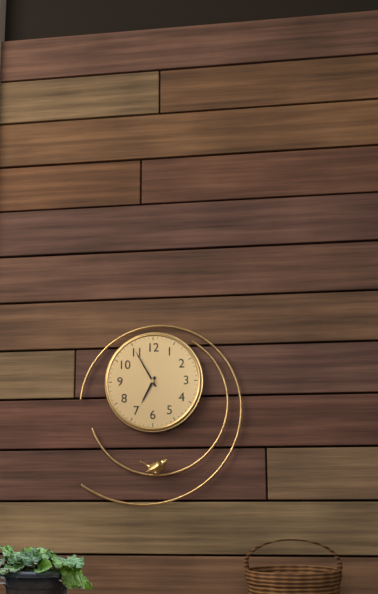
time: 6:55
